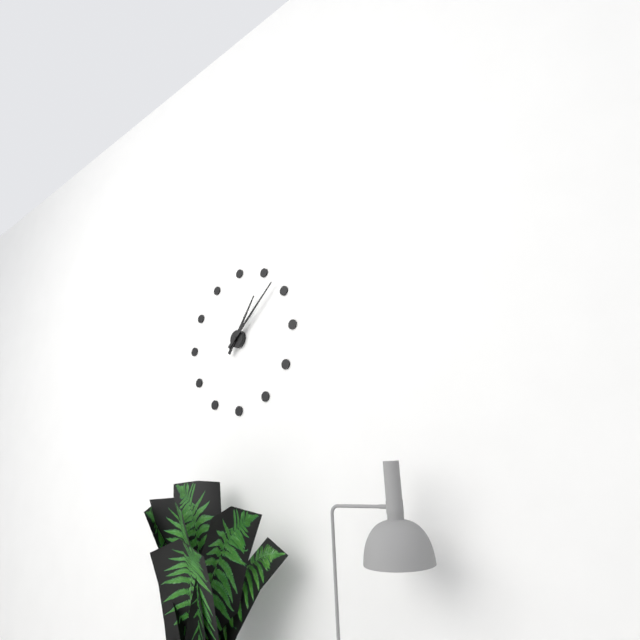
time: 1:08
